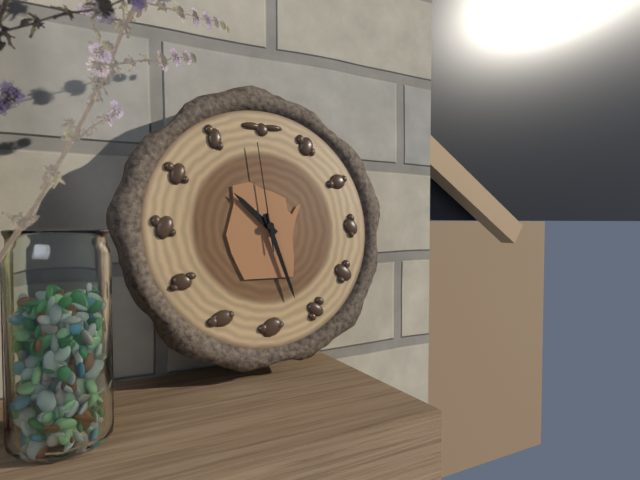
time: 10:27:59
